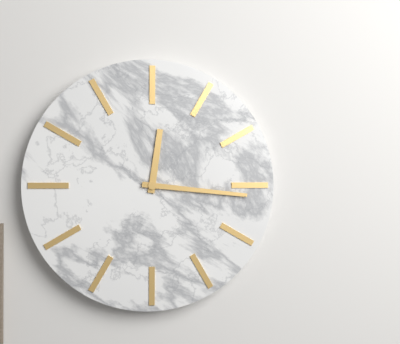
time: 12:16
